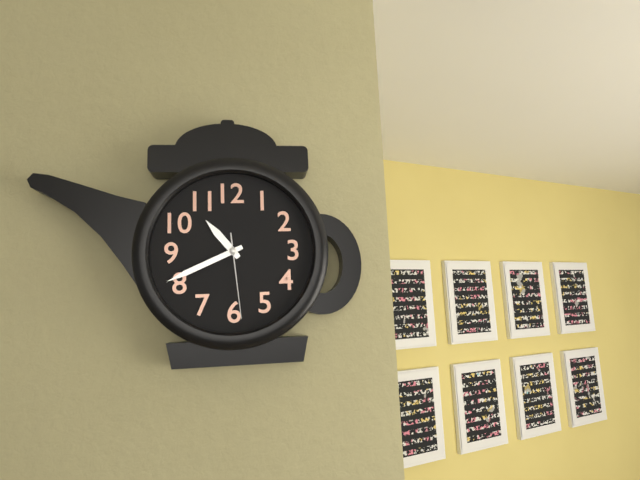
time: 10:41:29
